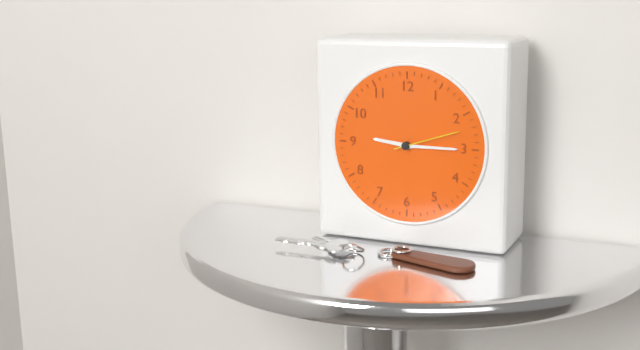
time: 9:15:12
